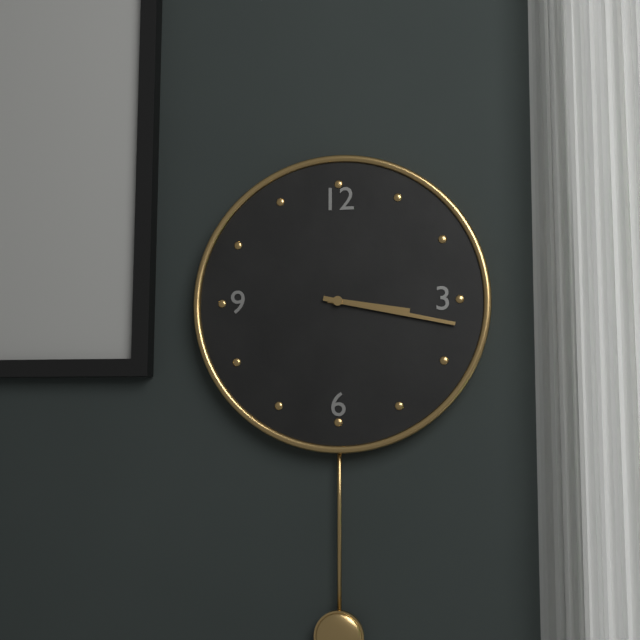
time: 3:17
